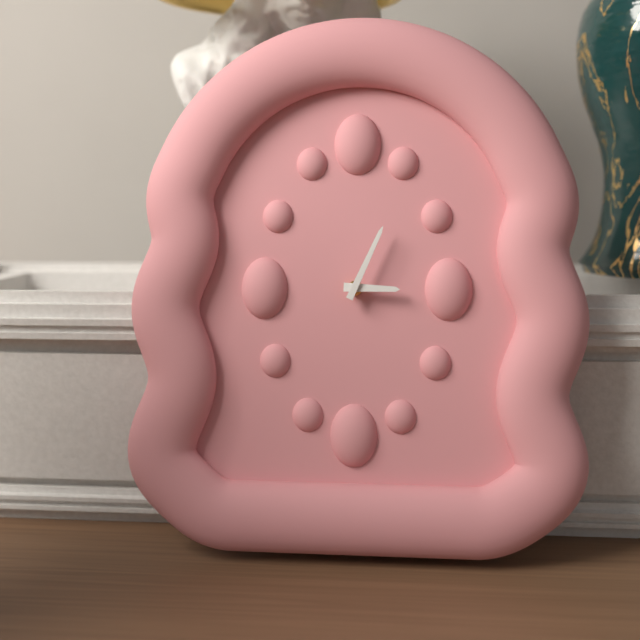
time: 3:04
